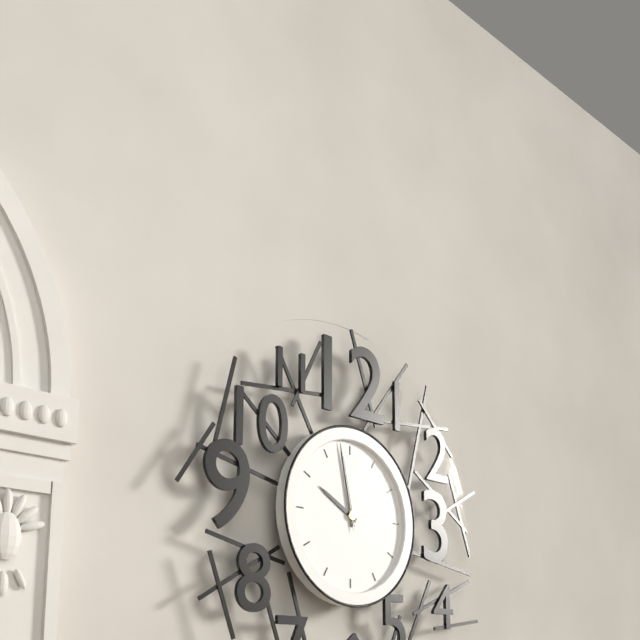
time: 9:58:58
